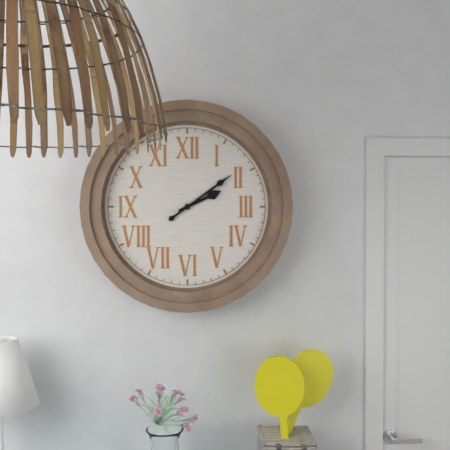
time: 2:09
